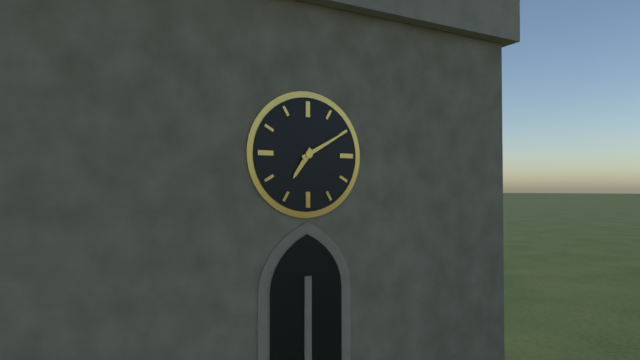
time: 7:10
